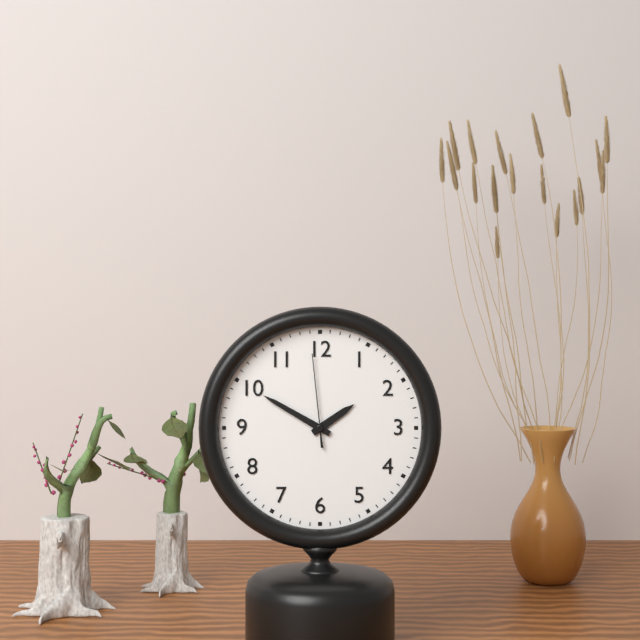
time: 1:50:59
